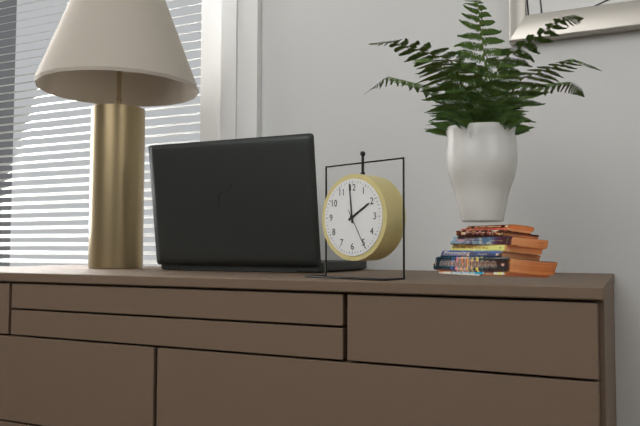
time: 1:59
